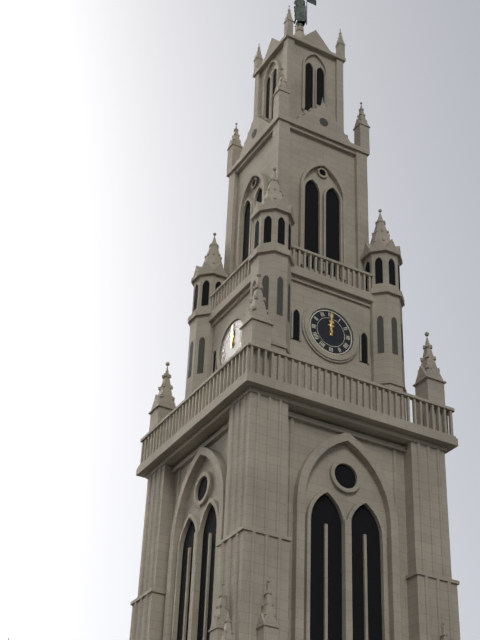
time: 12:00
